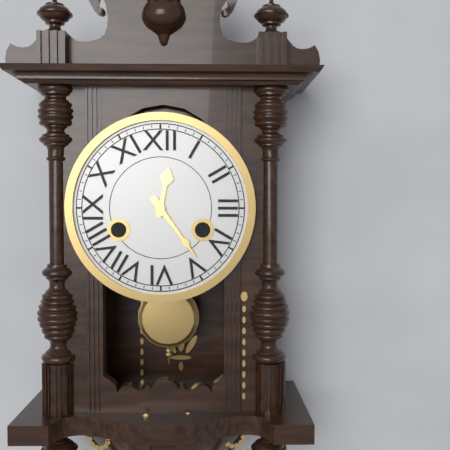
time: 12:24
